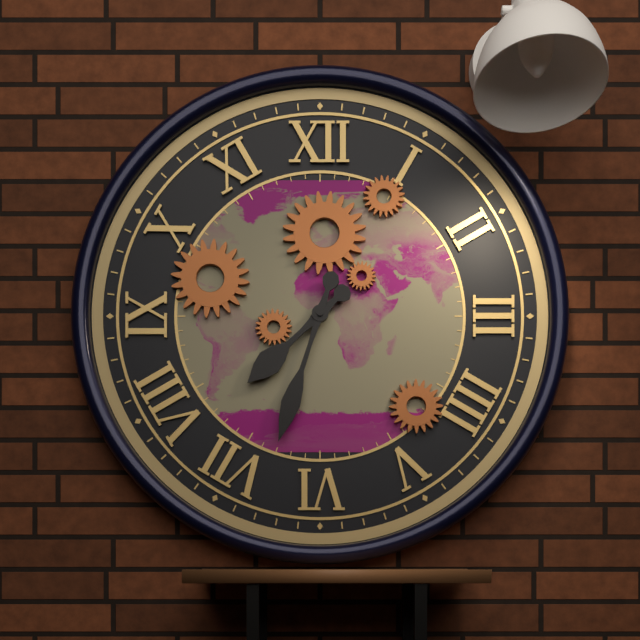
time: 7:33
